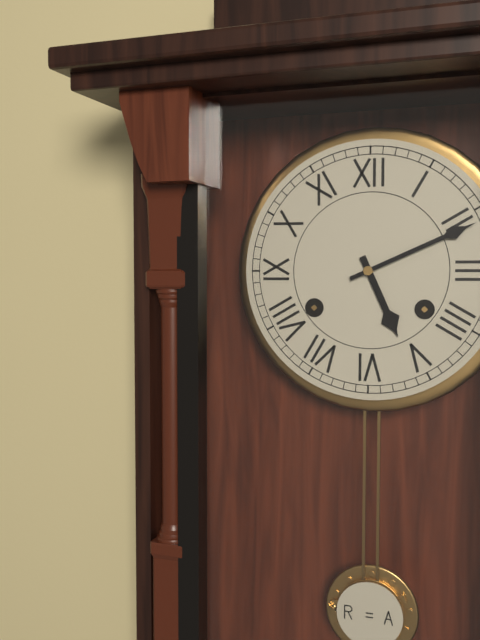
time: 5:11
